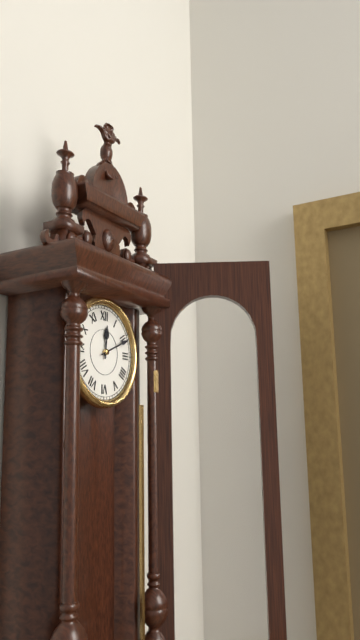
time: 12:11
